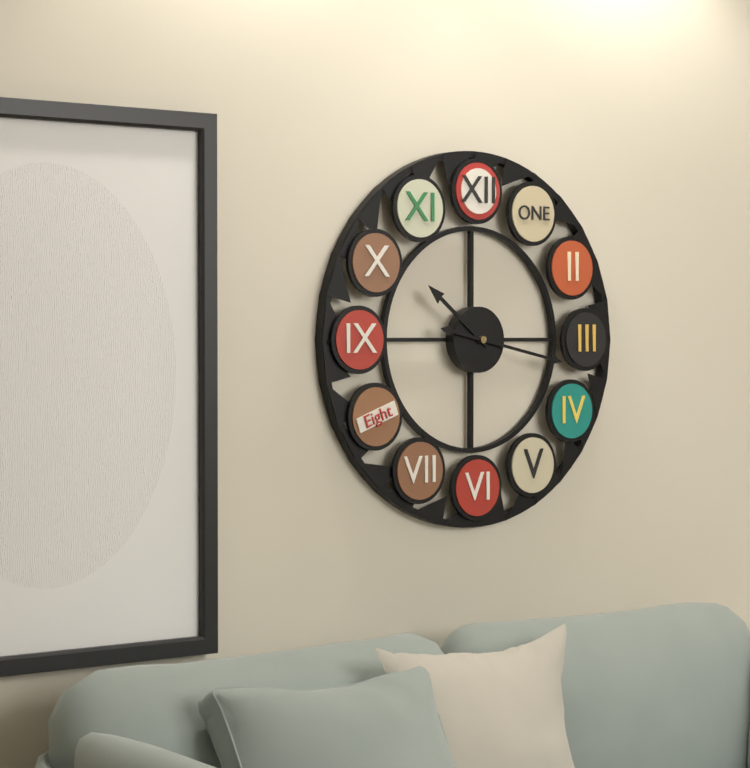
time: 10:17
